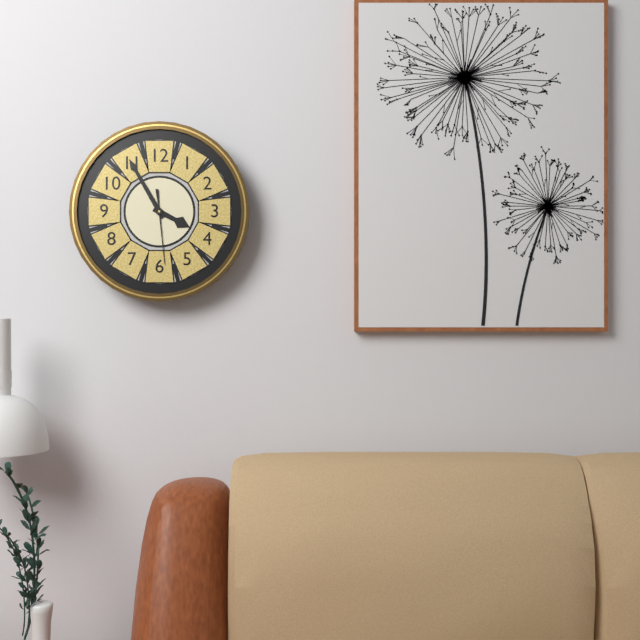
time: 3:55:29
